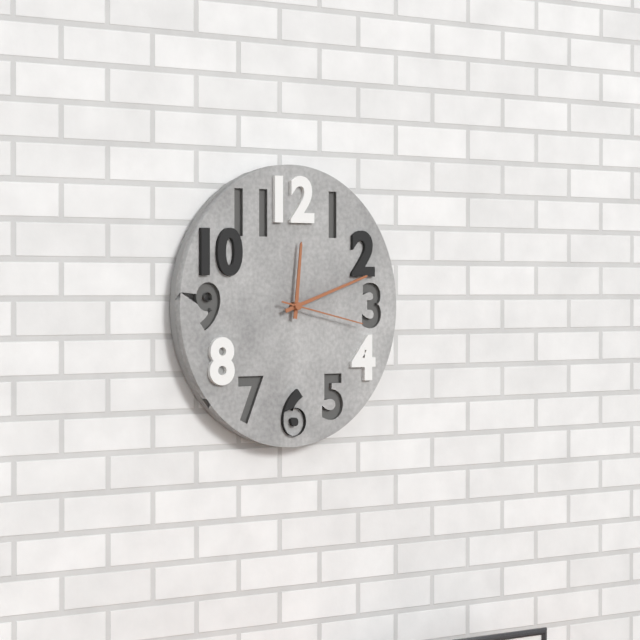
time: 12:12:17
